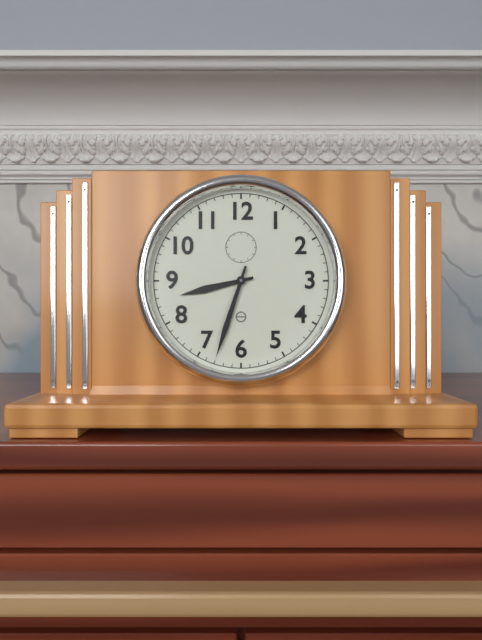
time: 8:33
